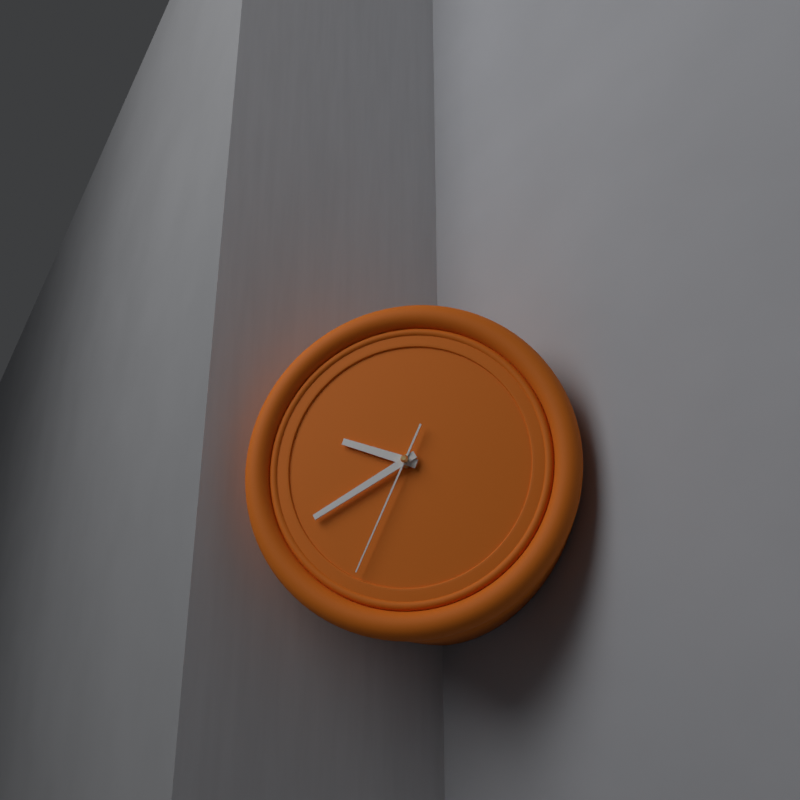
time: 9:40:34
